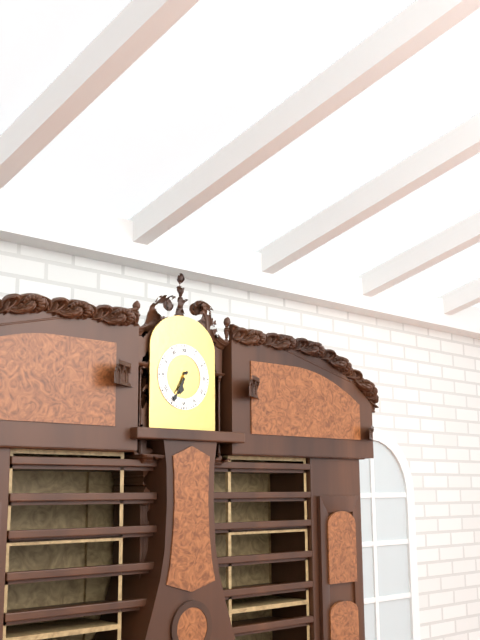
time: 6:35
